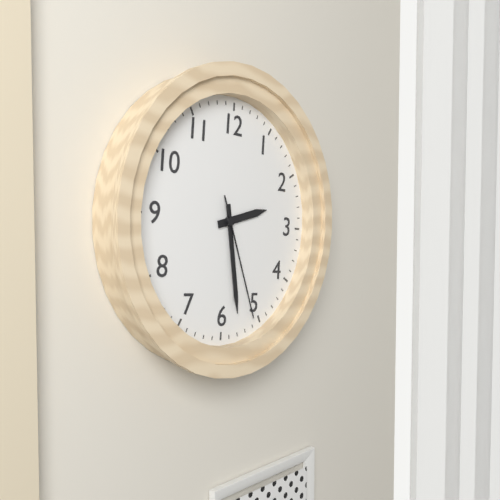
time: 2:28:26
